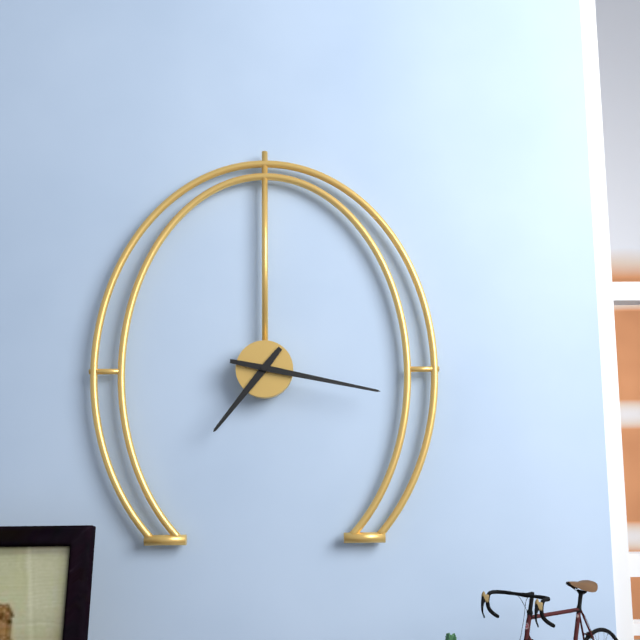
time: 7:17
